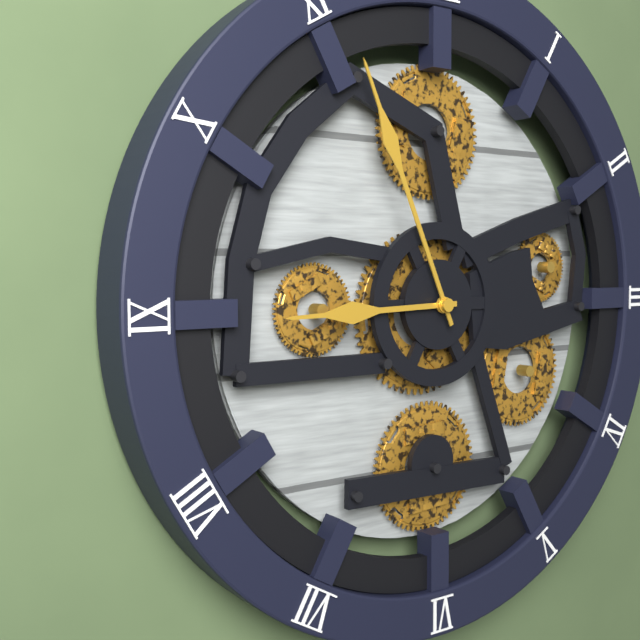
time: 8:56
